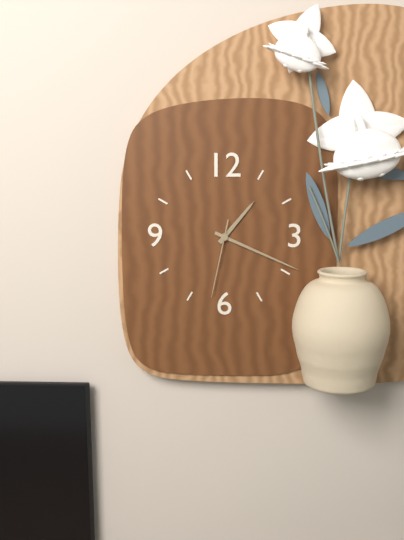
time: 1:19:32
